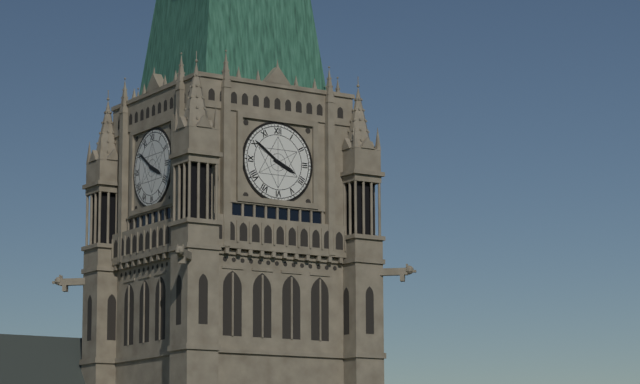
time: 3:51
